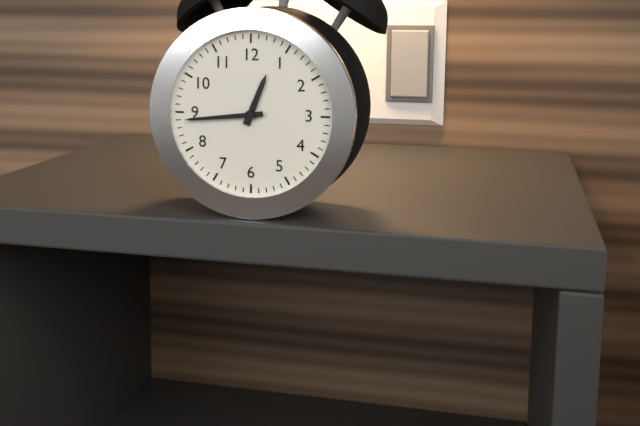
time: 12:44
